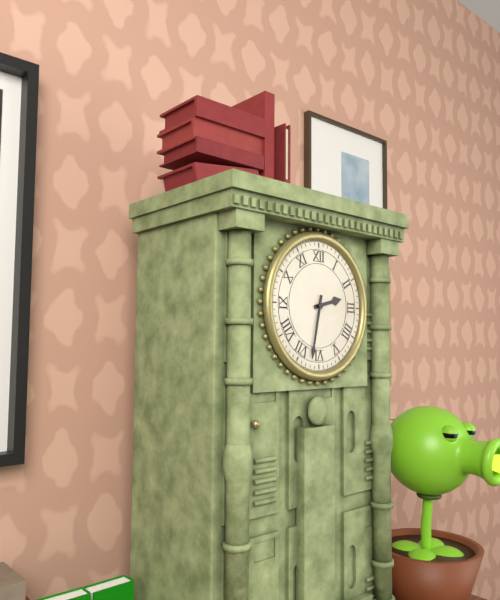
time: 2:32
